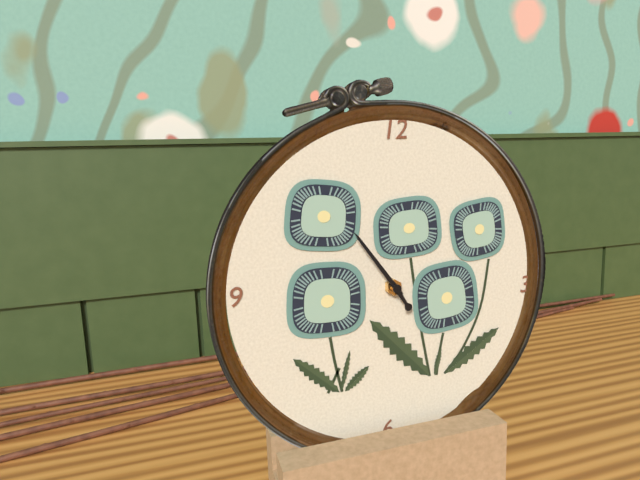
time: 4:54
